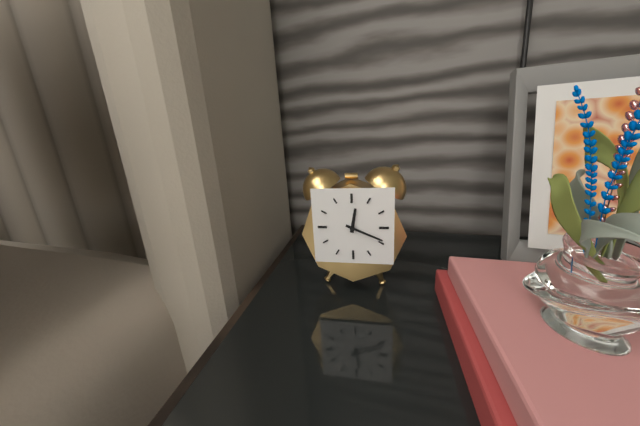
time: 12:19
